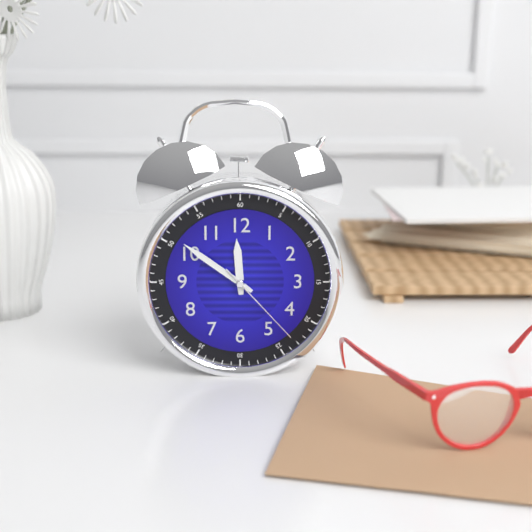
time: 11:51:23
